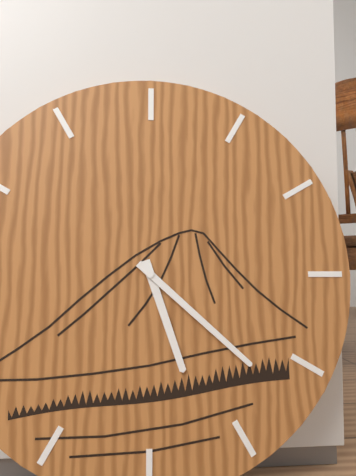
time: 5:22
